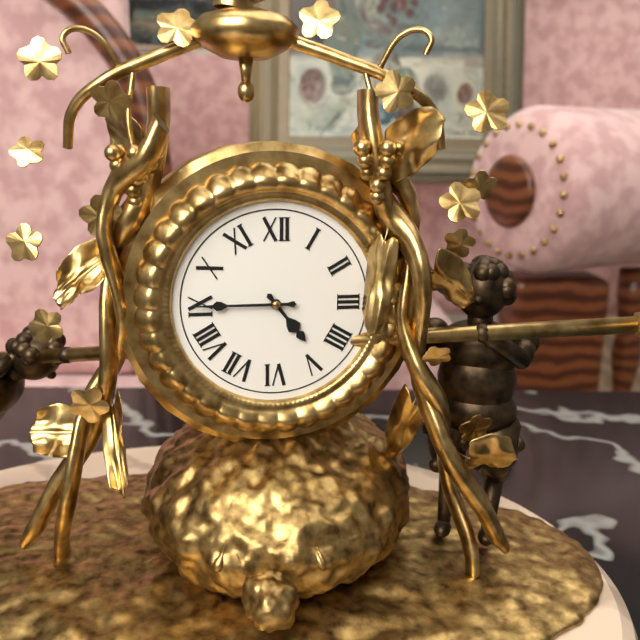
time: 4:45
